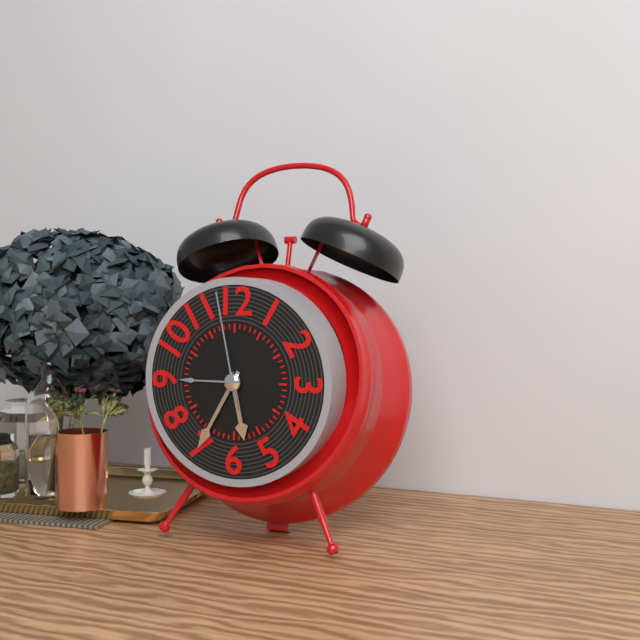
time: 5:35:58
